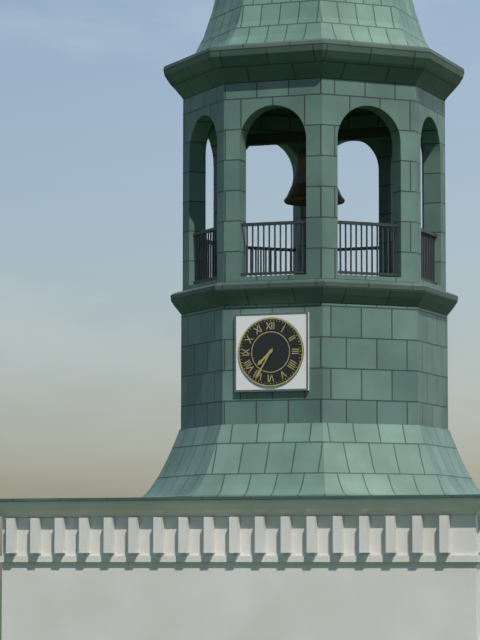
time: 7:35
